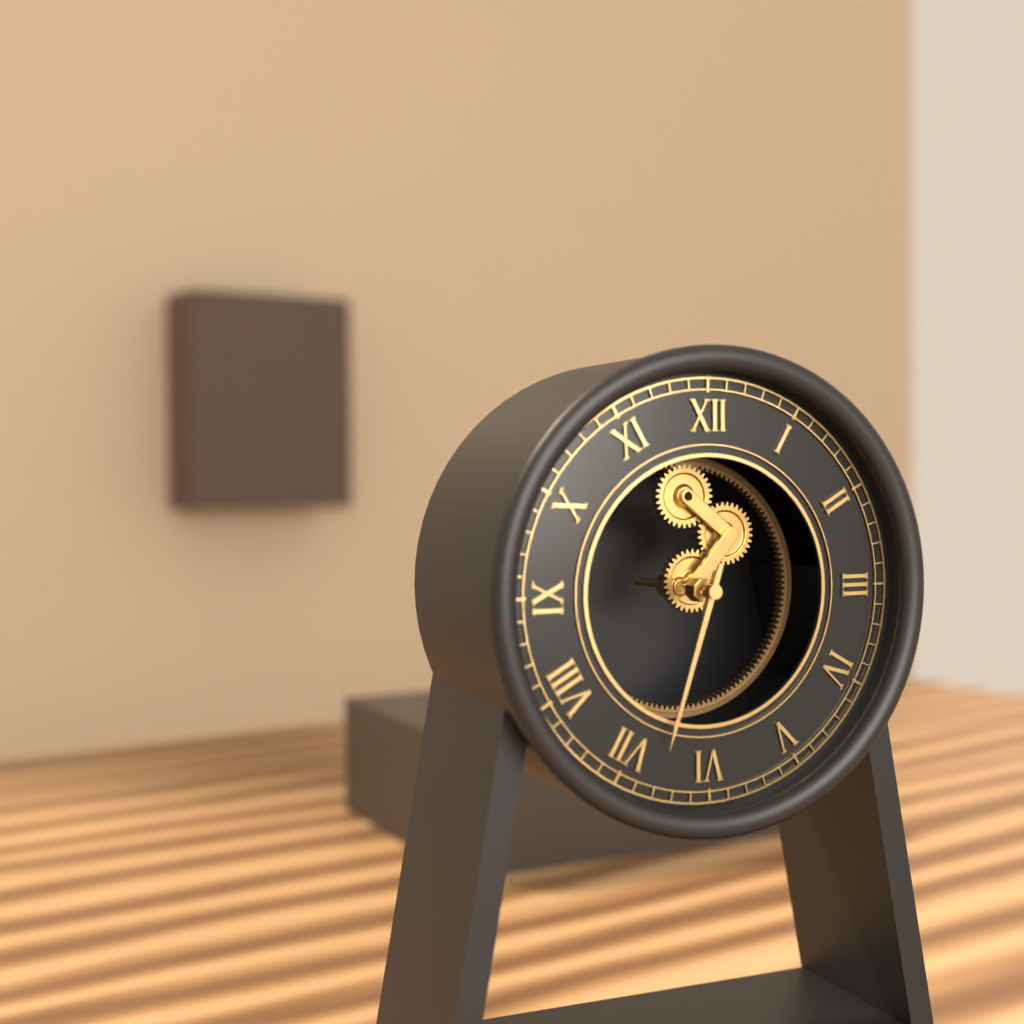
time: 6:33
